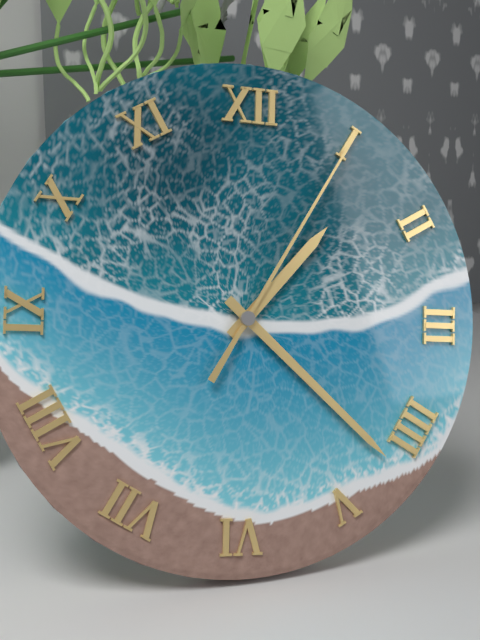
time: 1:22:05
